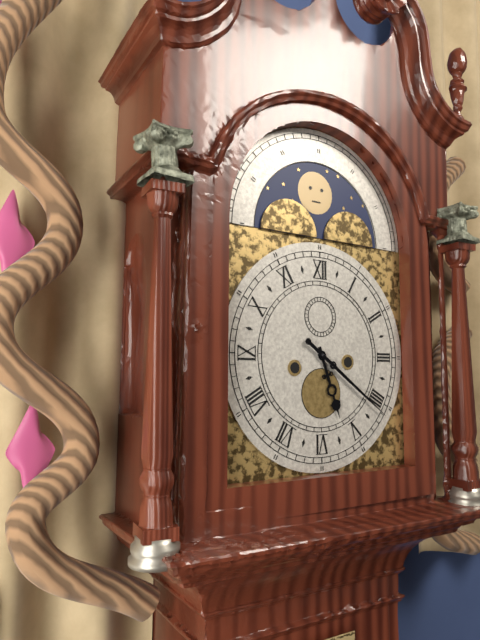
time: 5:21
